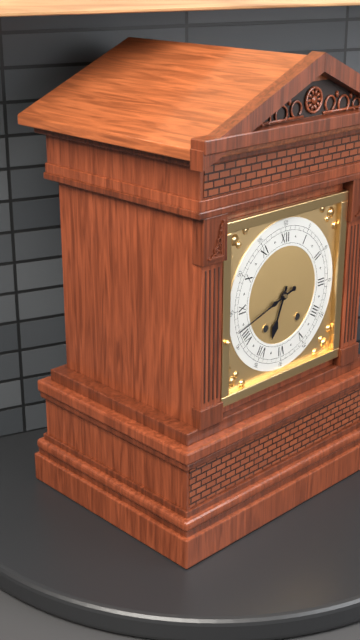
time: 6:42
